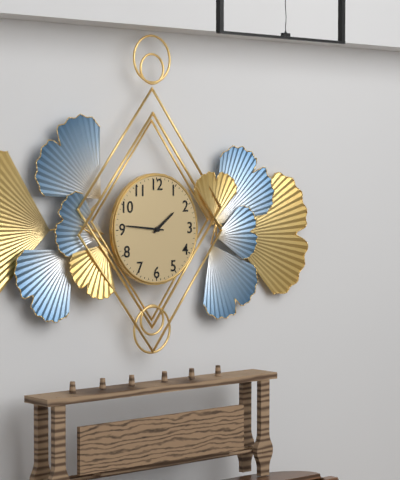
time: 1:46
